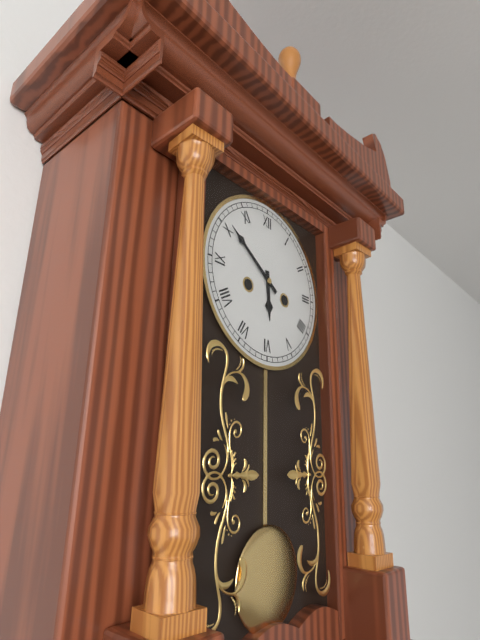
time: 5:51
